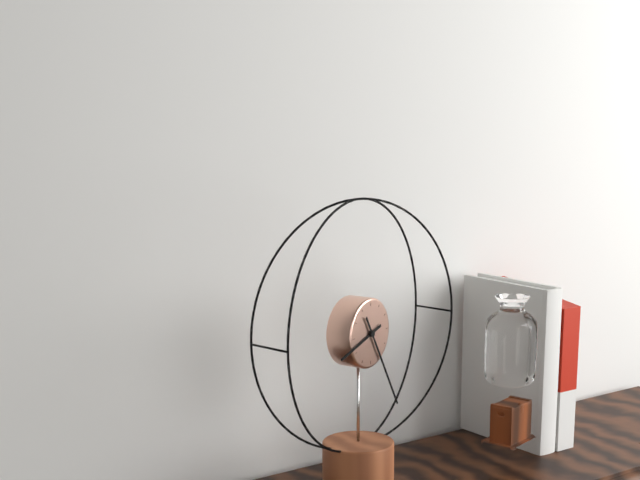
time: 8:25
